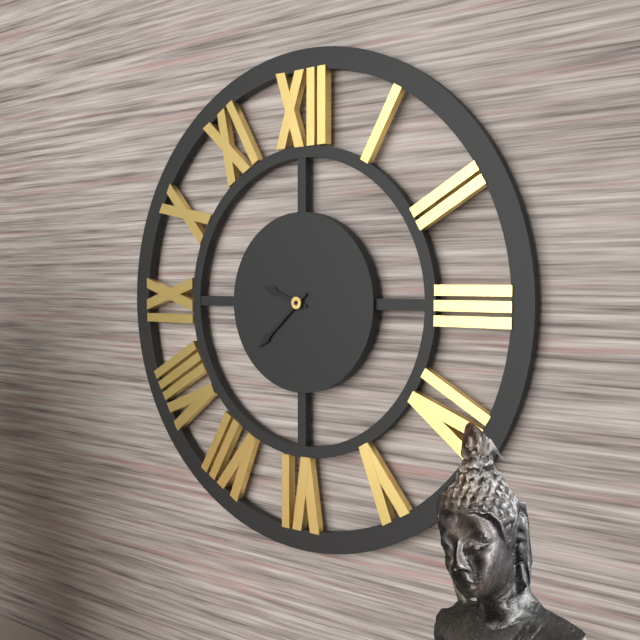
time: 9:38
